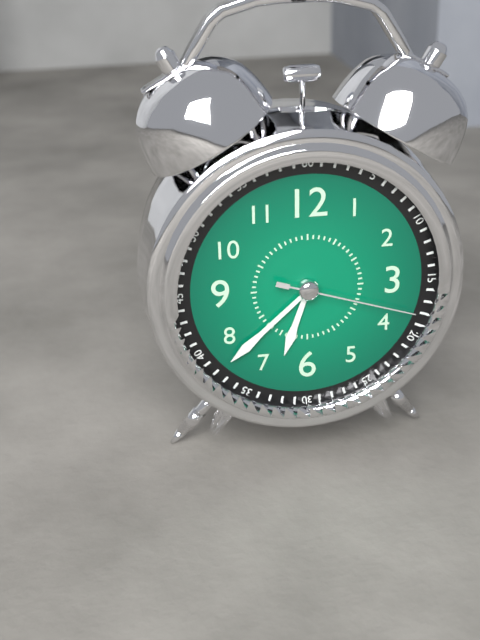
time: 6:38:18
